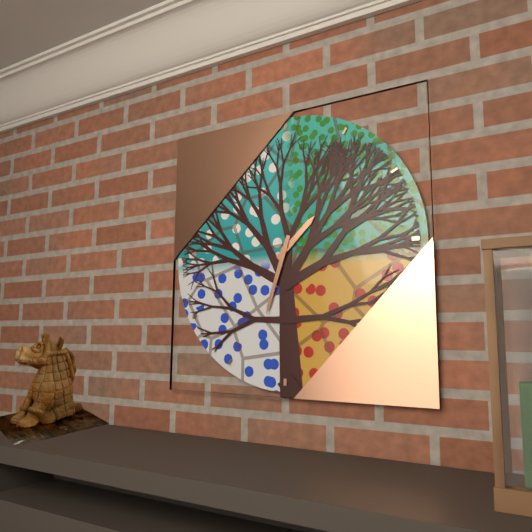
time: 1:33
